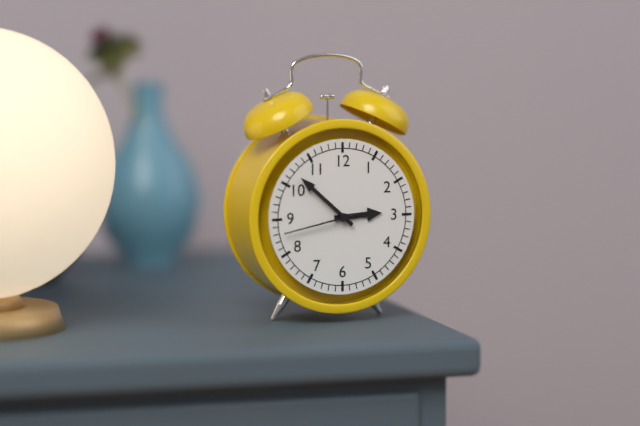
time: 2:52:43
